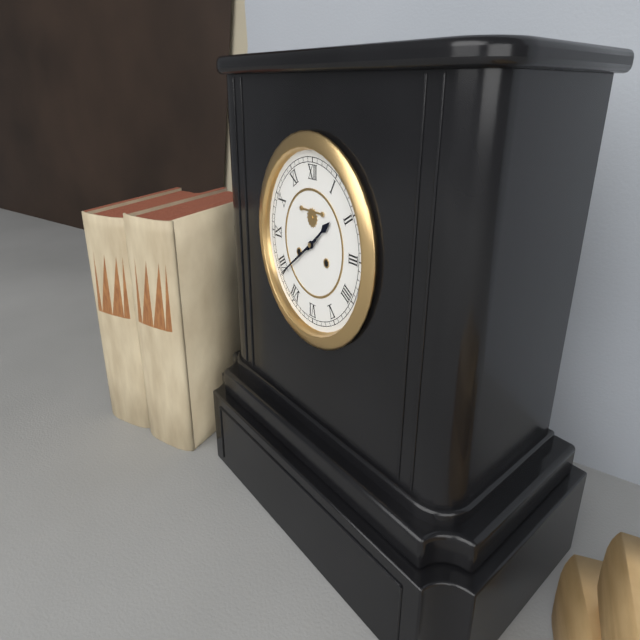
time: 1:39
